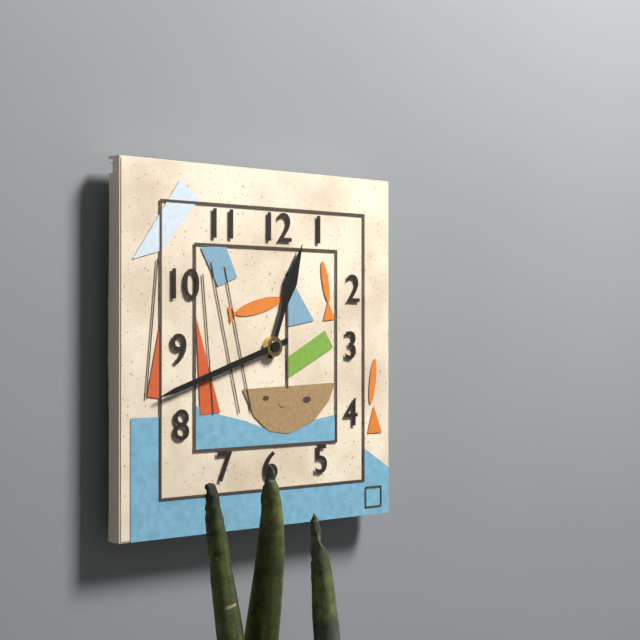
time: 12:42
